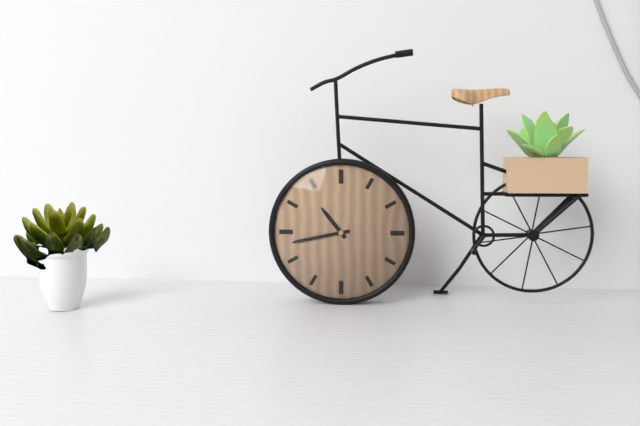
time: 10:43
